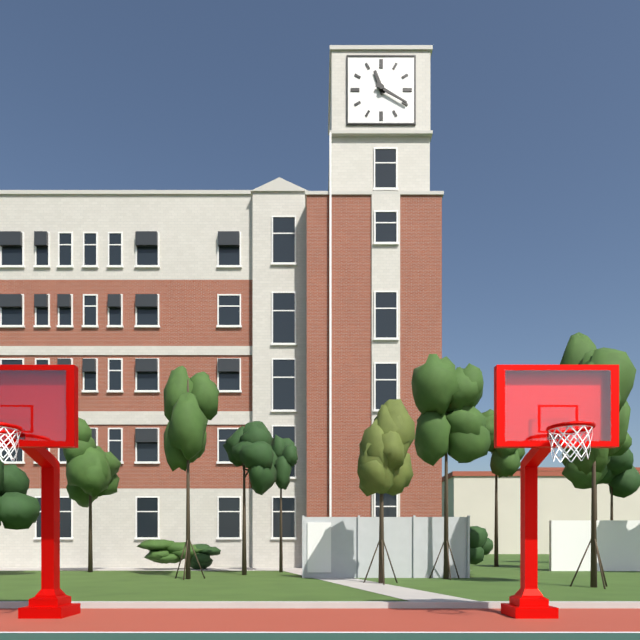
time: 11:20
